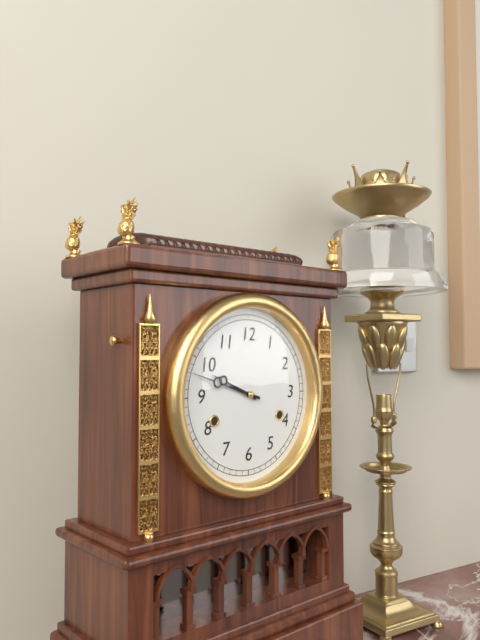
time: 9:48
